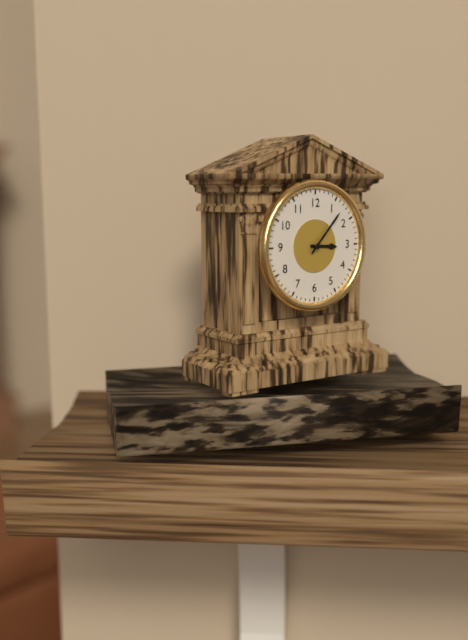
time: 3:07
